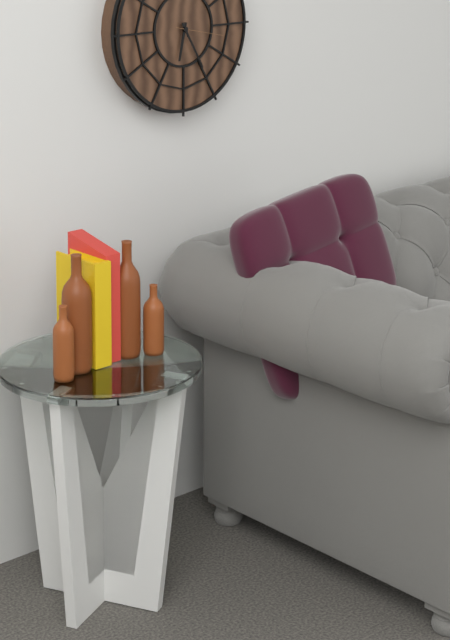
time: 6:25
